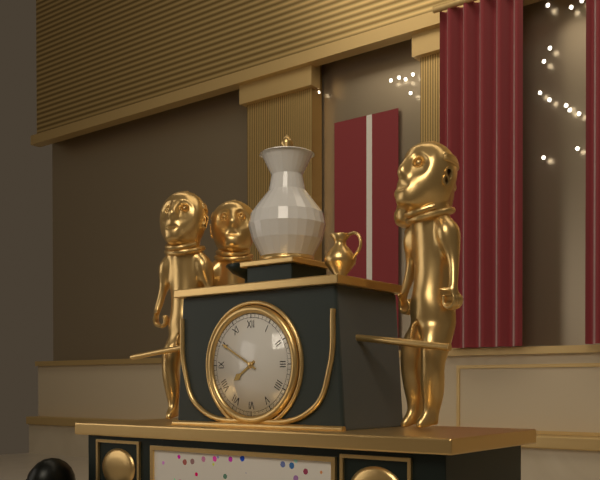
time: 7:50
